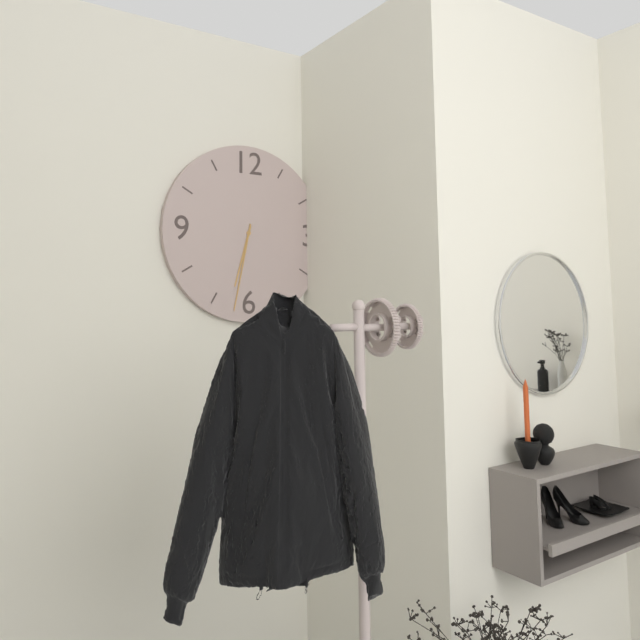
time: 6:32
